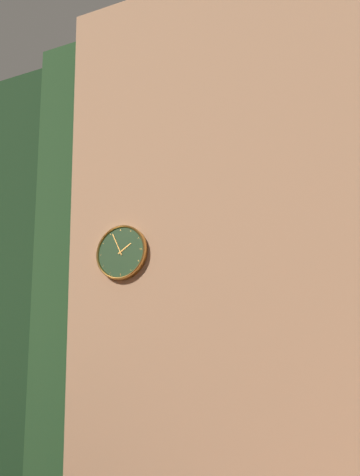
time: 1:56
